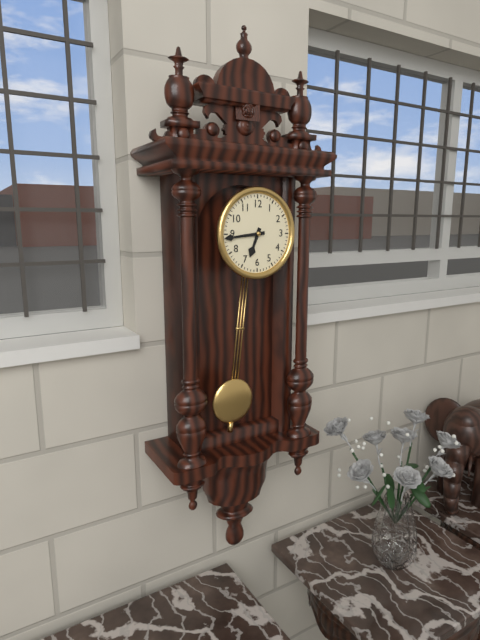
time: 6:44
